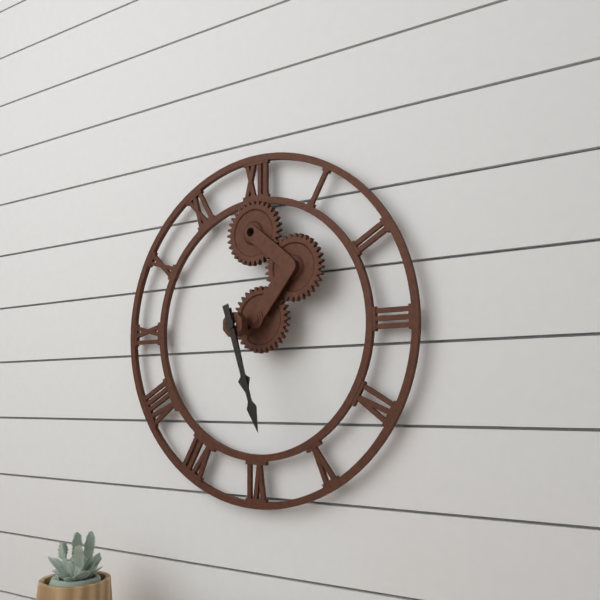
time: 5:27
